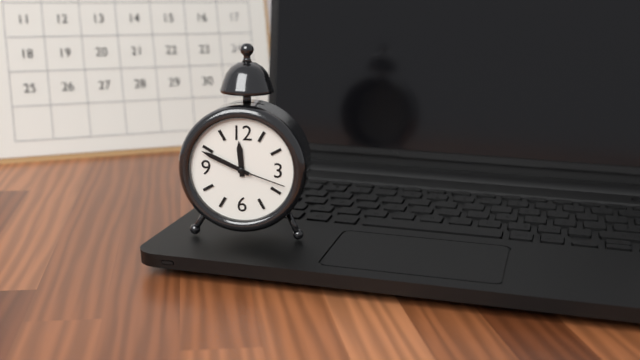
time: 11:49:18
